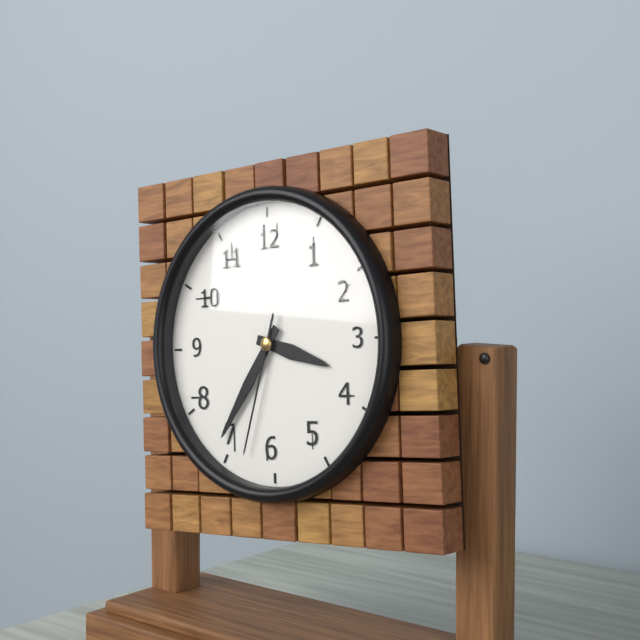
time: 3:36:33
